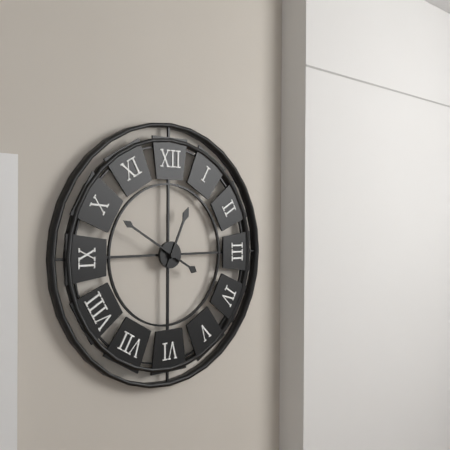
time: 12:50
